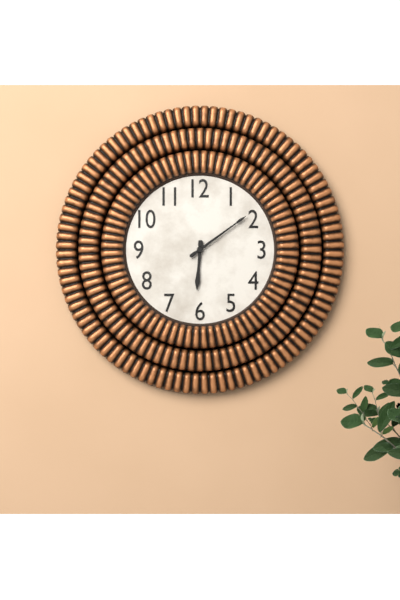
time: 6:09
